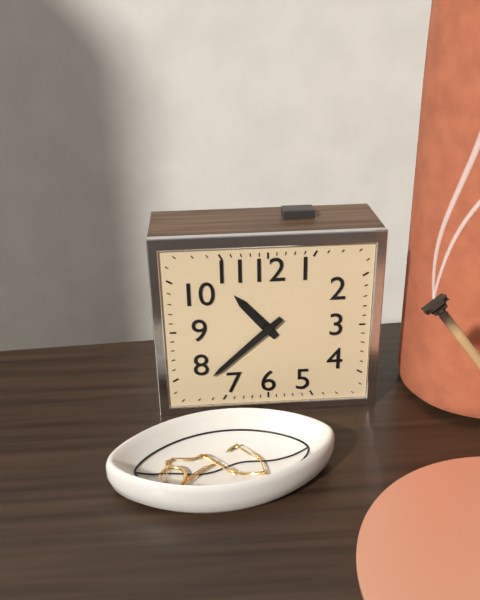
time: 10:38
